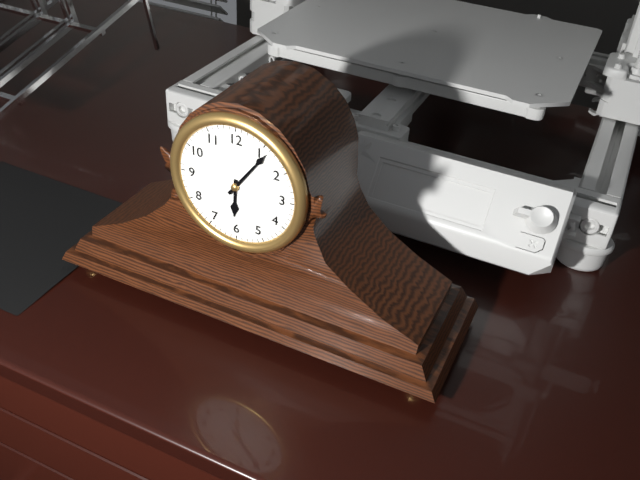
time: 6:06
